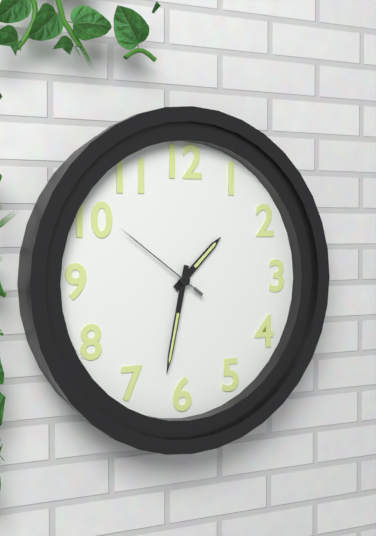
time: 1:32:51
